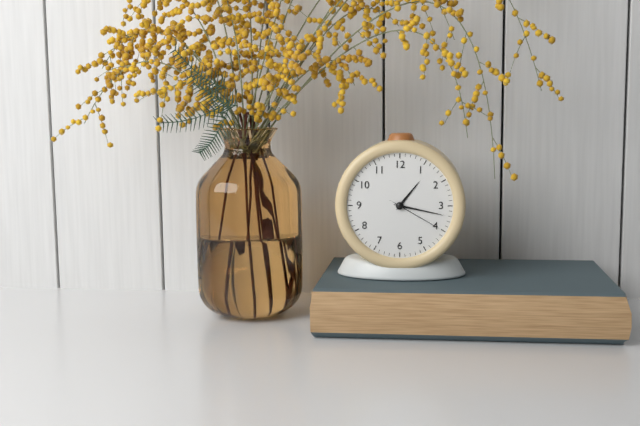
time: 1:17:20
